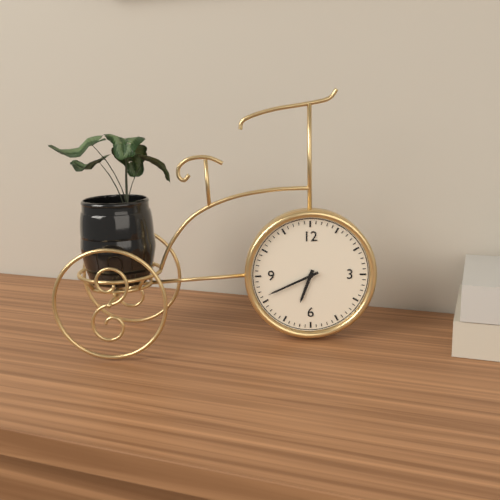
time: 6:41
